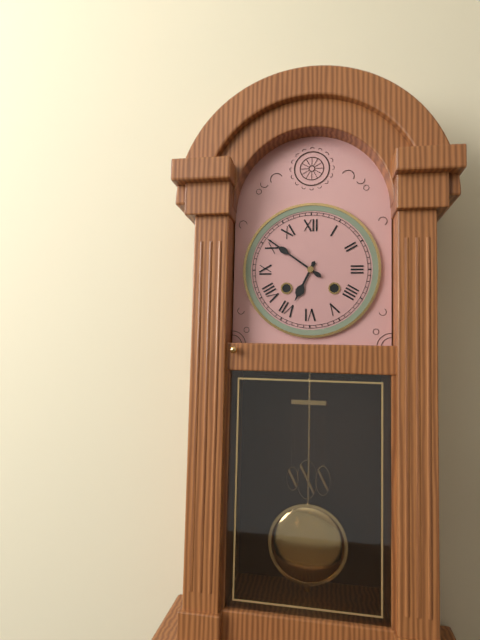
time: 6:51
